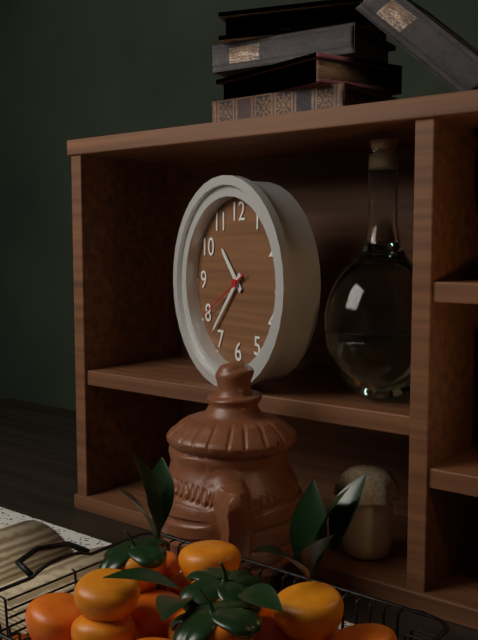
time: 10:37:40
